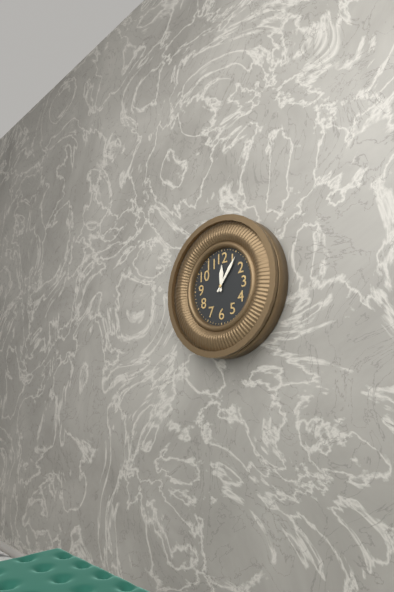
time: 12:06
